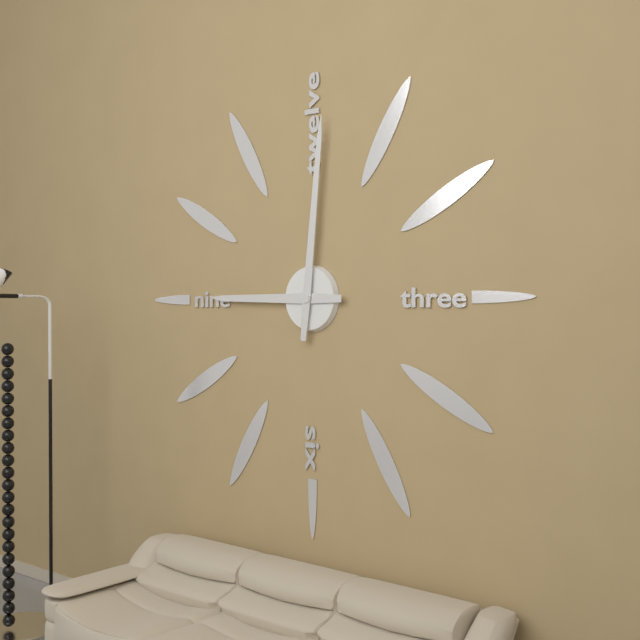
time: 9:01
